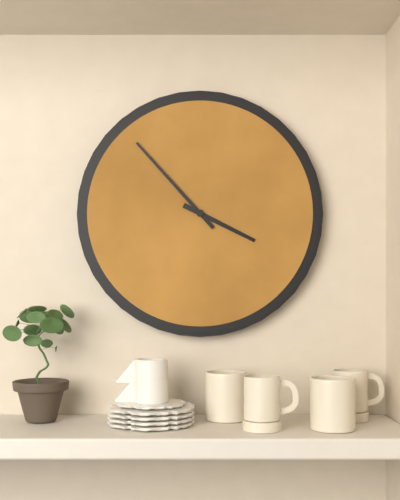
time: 3:53
